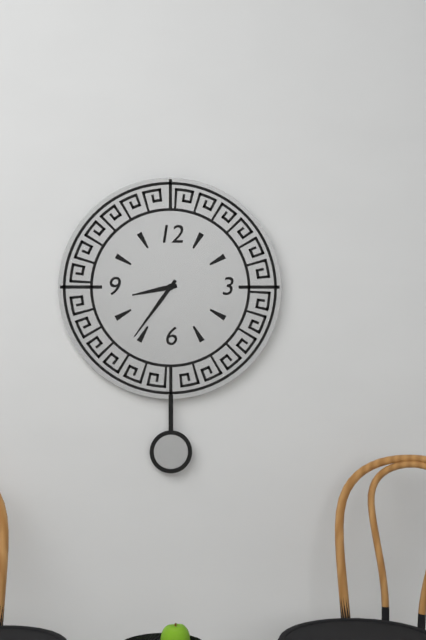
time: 8:36
